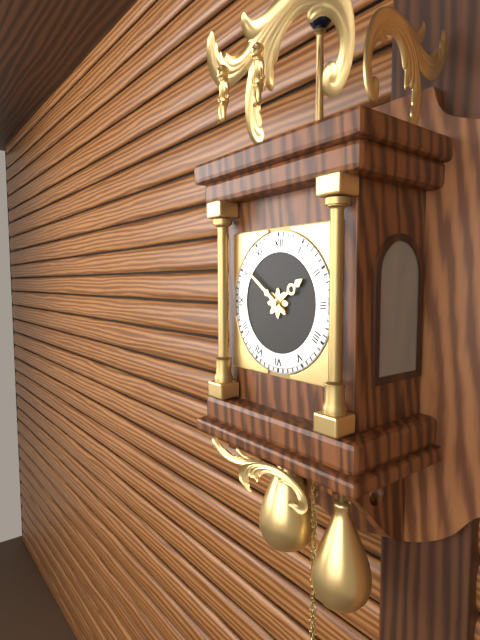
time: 1:51
